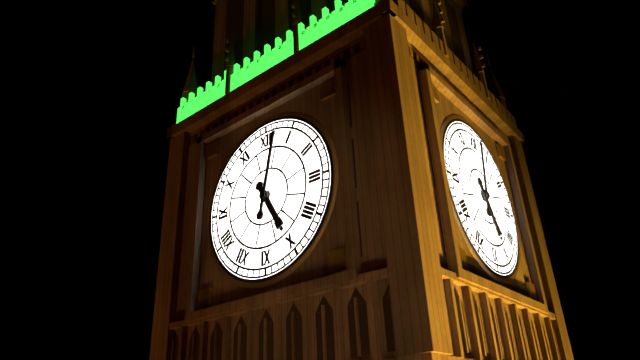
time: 5:02
